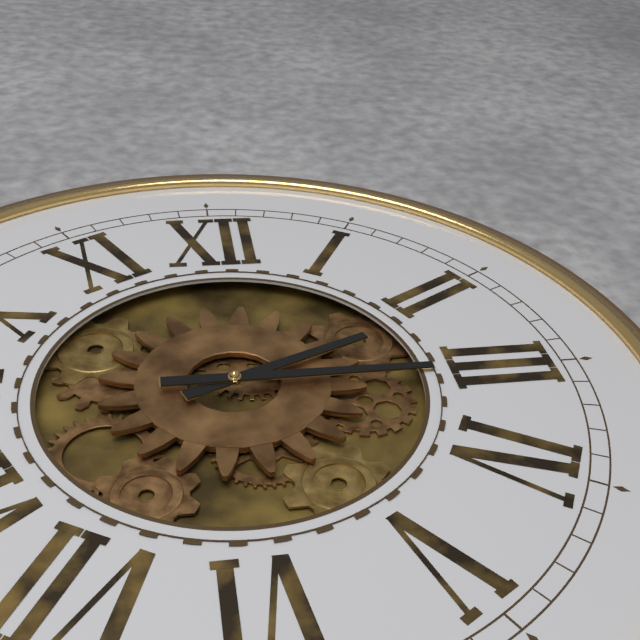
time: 2:15
